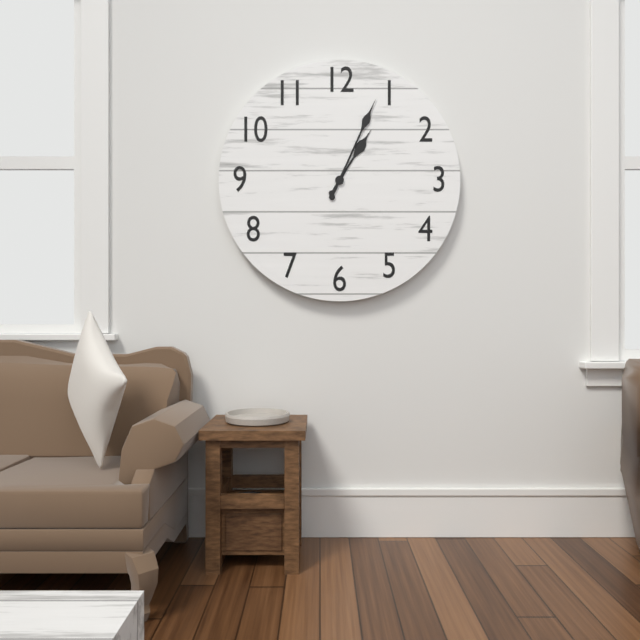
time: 1:04
